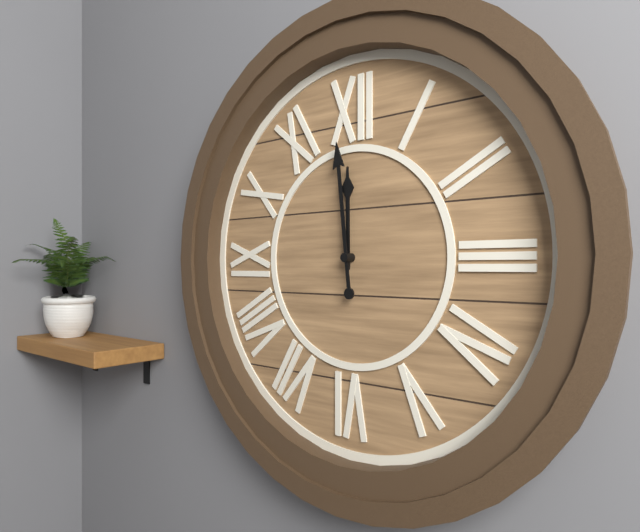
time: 11:59
